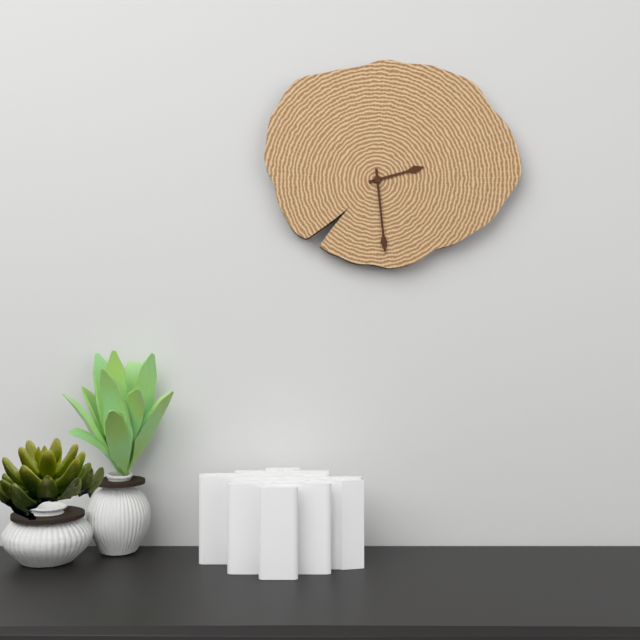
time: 2:29
